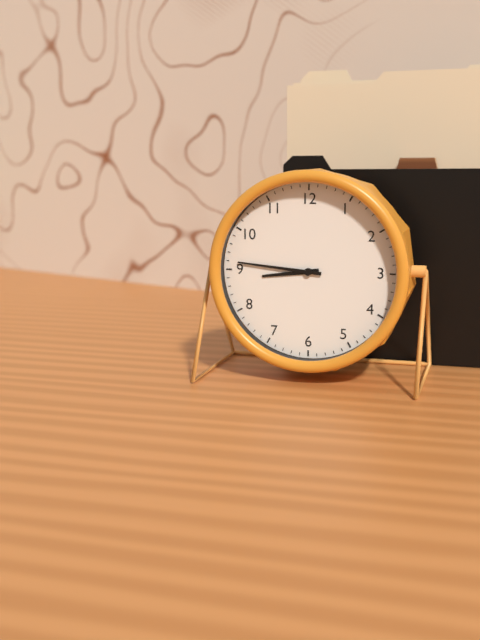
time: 8:46
